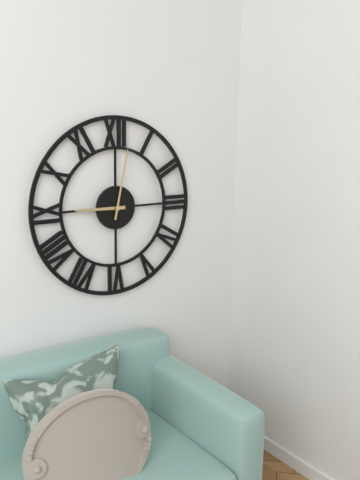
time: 9:02
